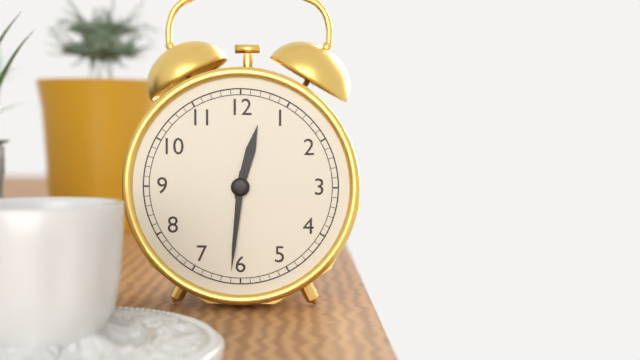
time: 12:31
